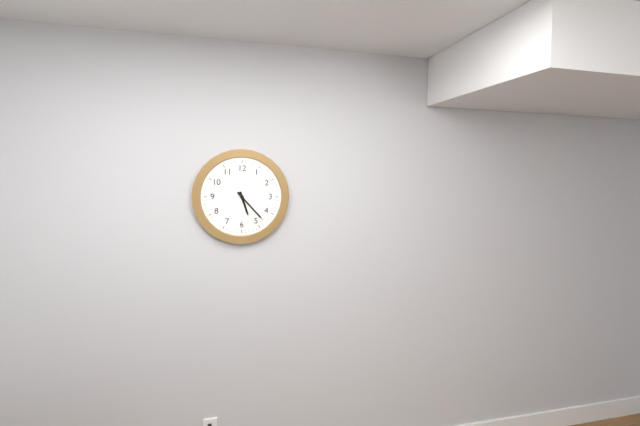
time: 5:23
